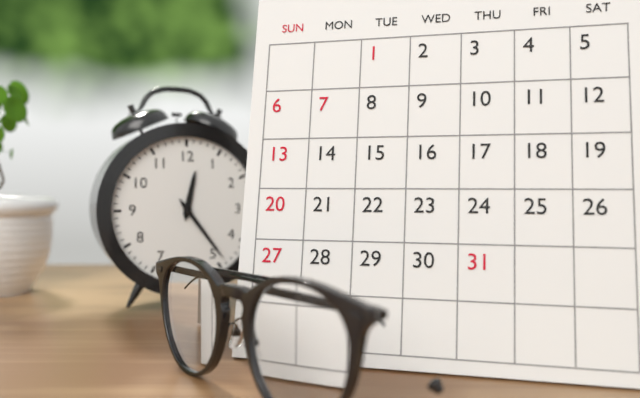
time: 12:24
